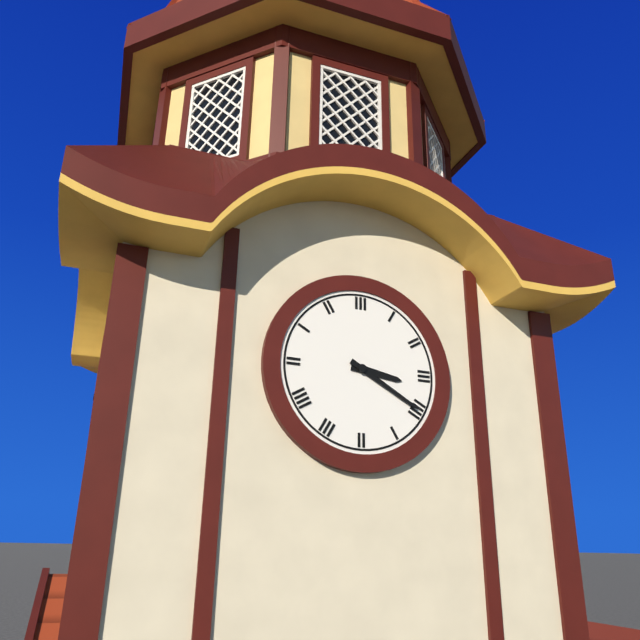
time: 3:20
